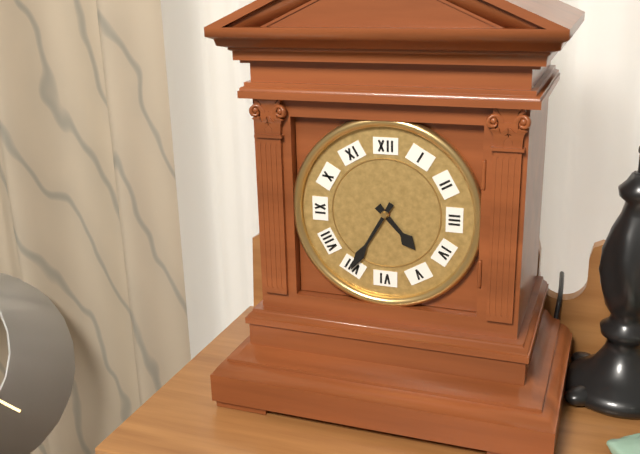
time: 4:35
